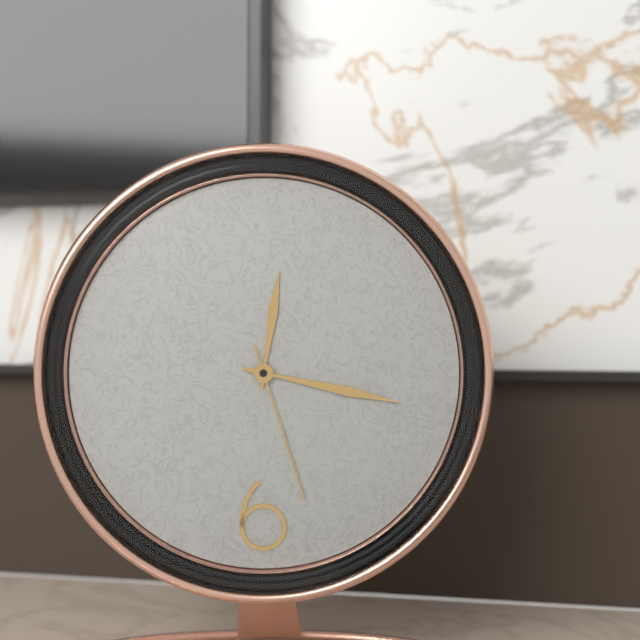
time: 12:17:27
